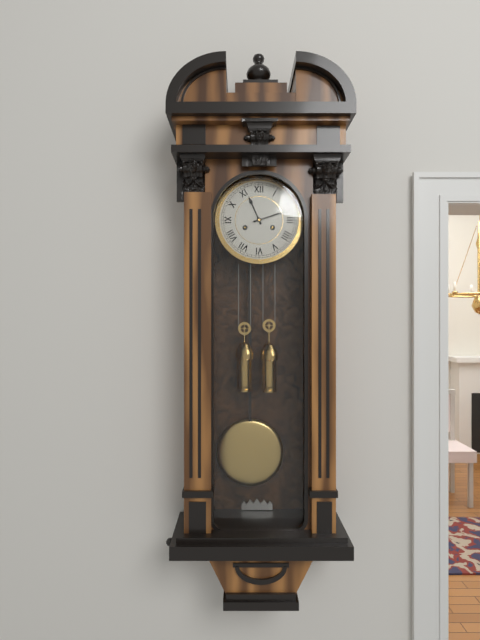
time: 11:12
